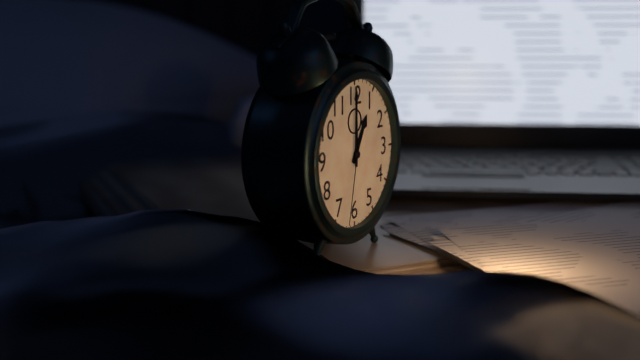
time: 1:00:32
